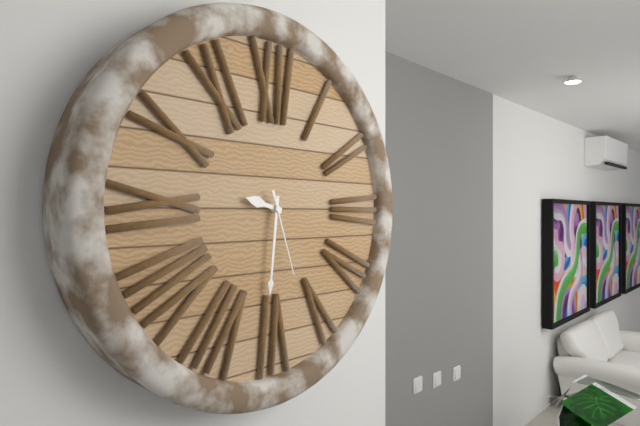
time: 9:31:27
